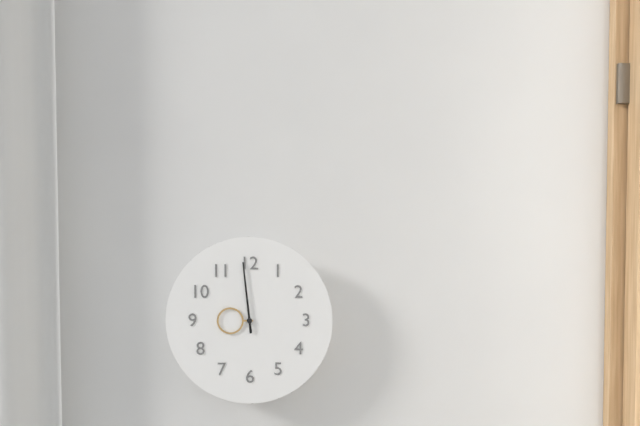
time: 8:59
